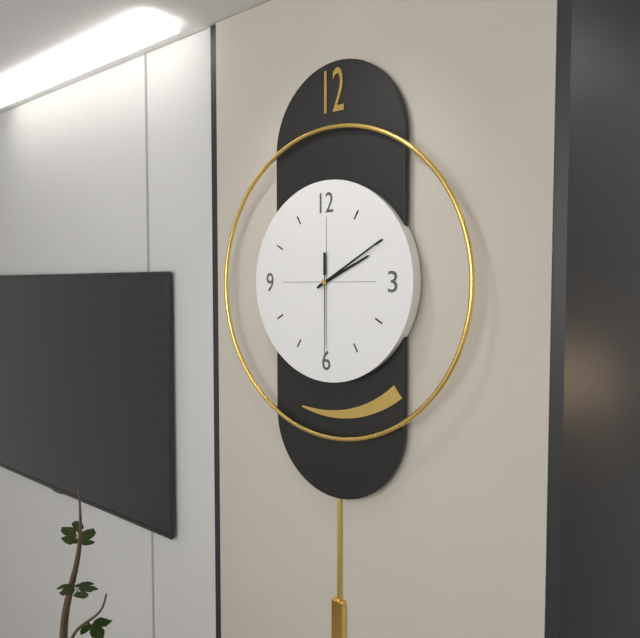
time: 2:10:30
